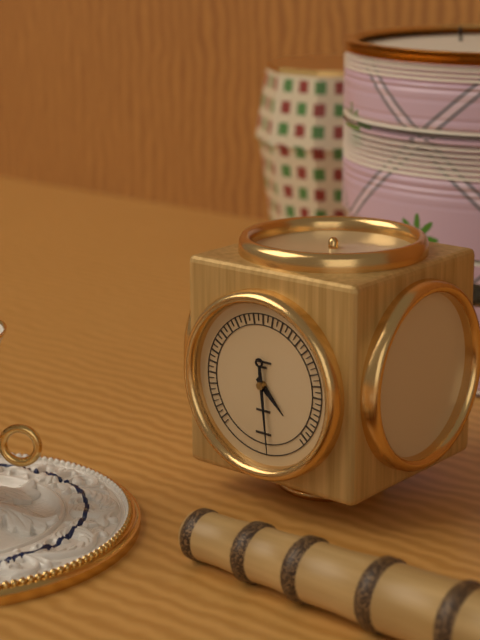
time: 4:29
